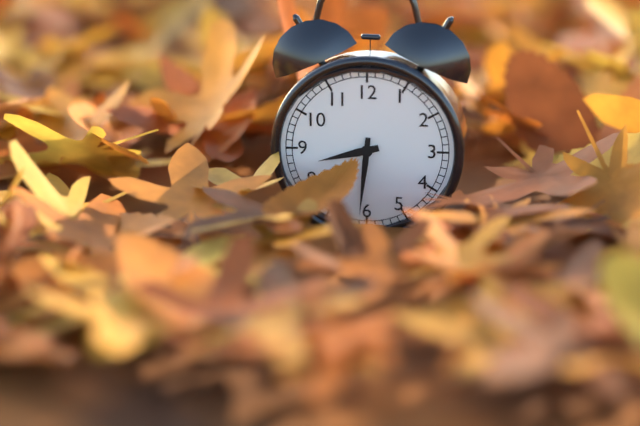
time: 8:31
